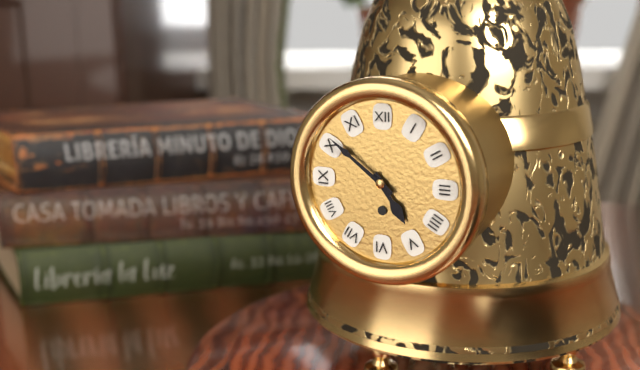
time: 4:51
